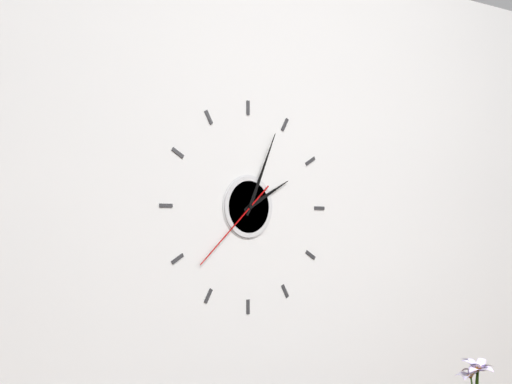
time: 2:04:38
